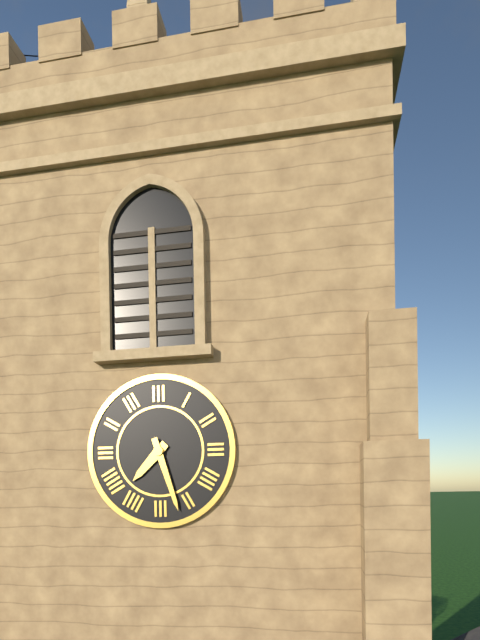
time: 7:27
